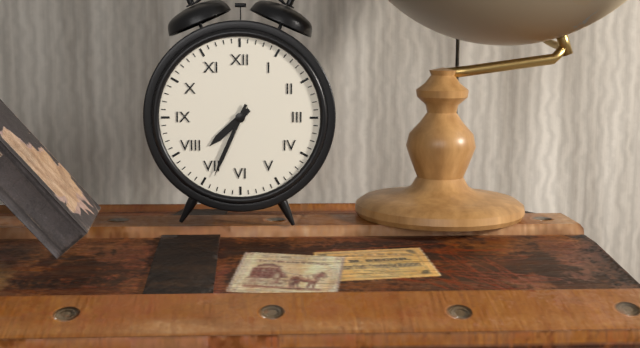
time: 7:34
